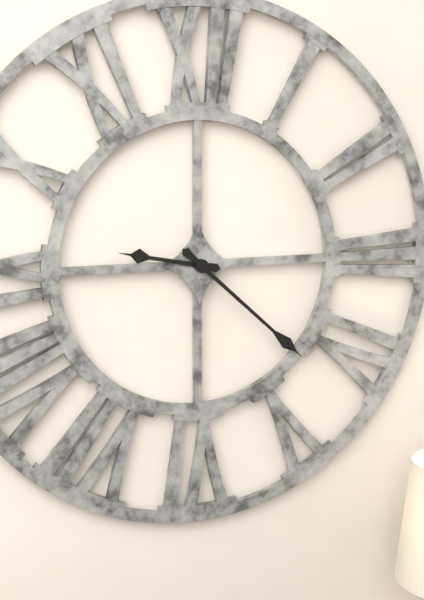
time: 9:22
